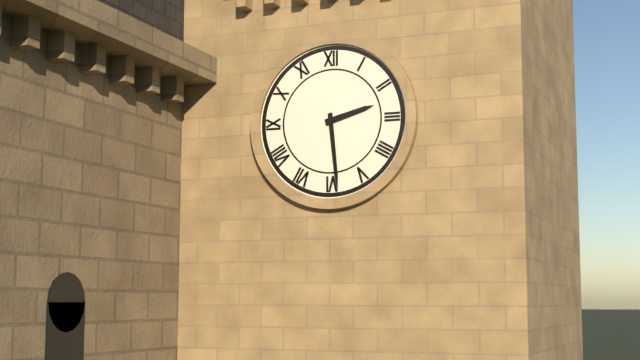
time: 2:29
